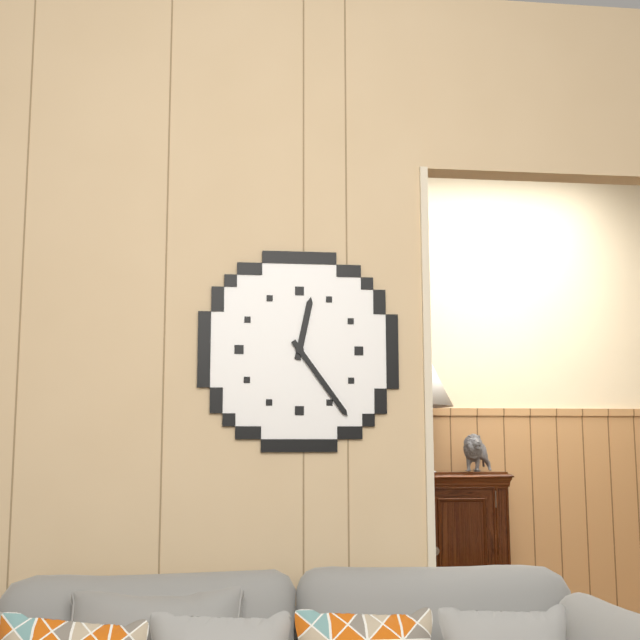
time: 12:24
